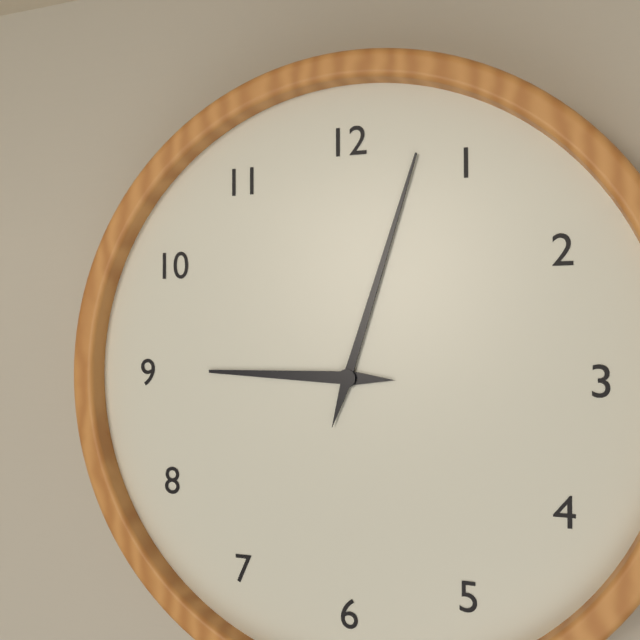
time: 9:03
